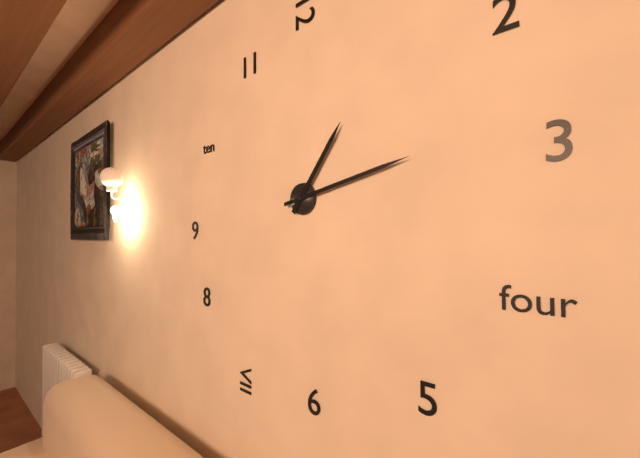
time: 1:13
